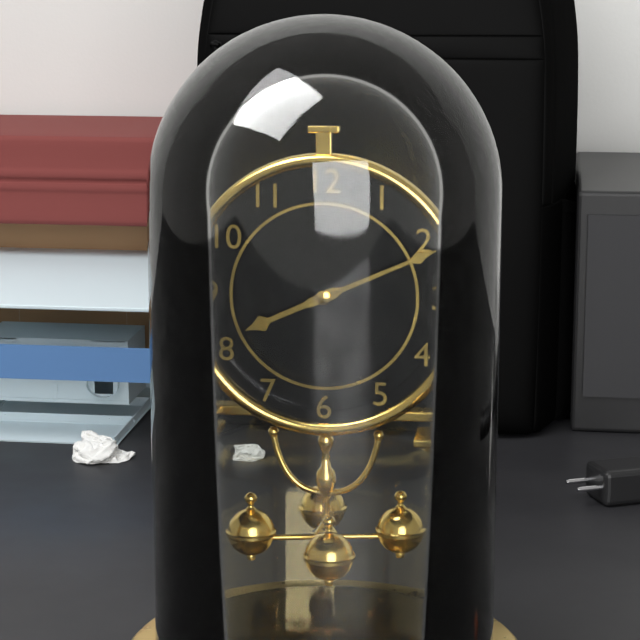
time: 8:11
